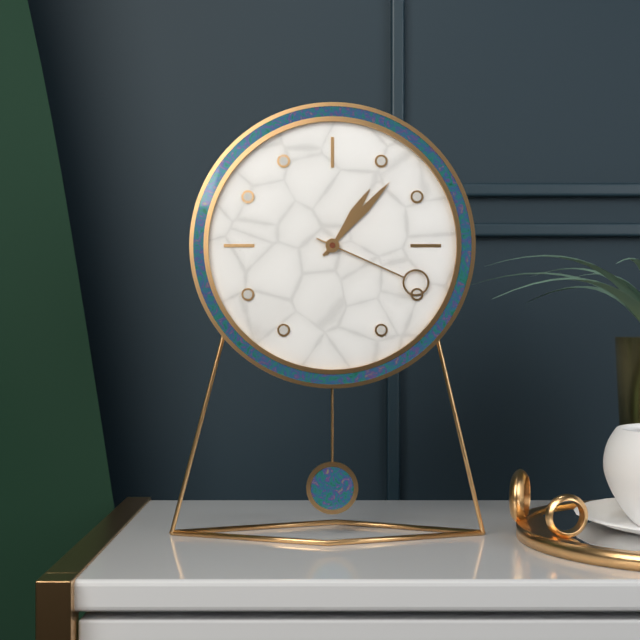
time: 1:07:19
